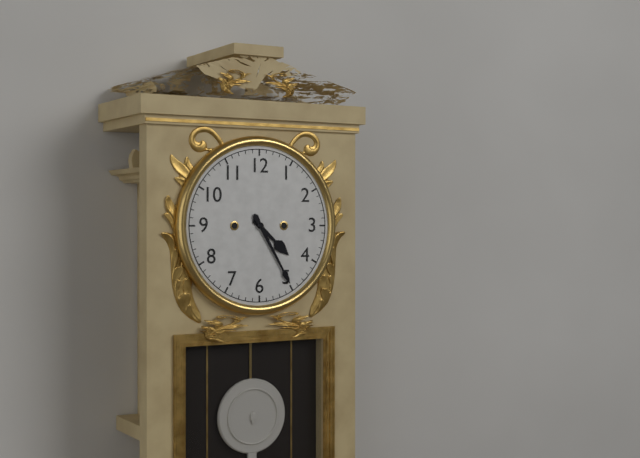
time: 4:25
